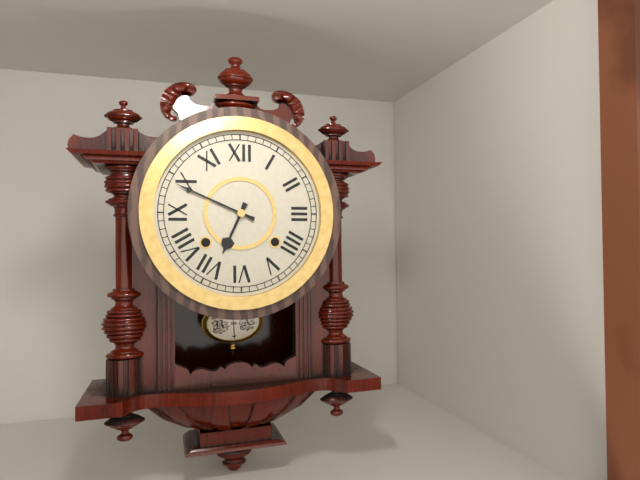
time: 6:49
